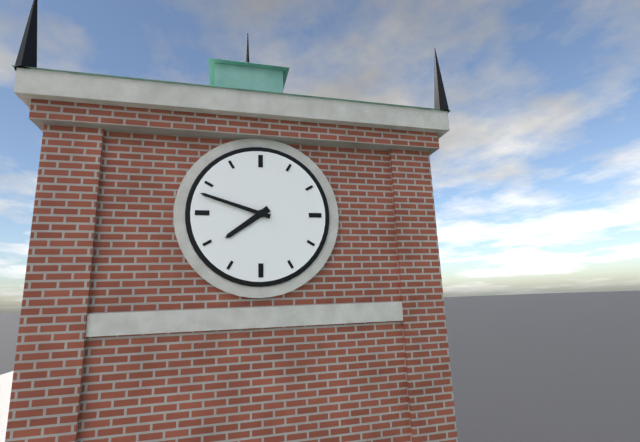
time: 7:48
